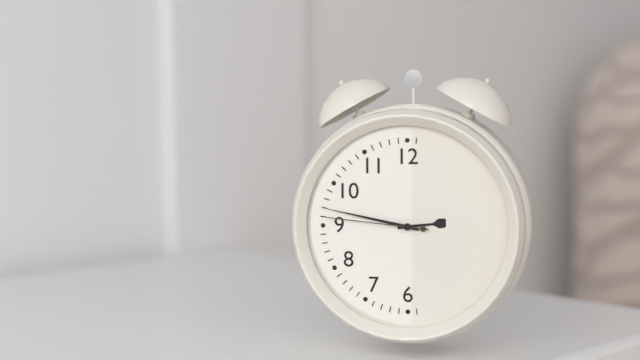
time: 2:47:46
